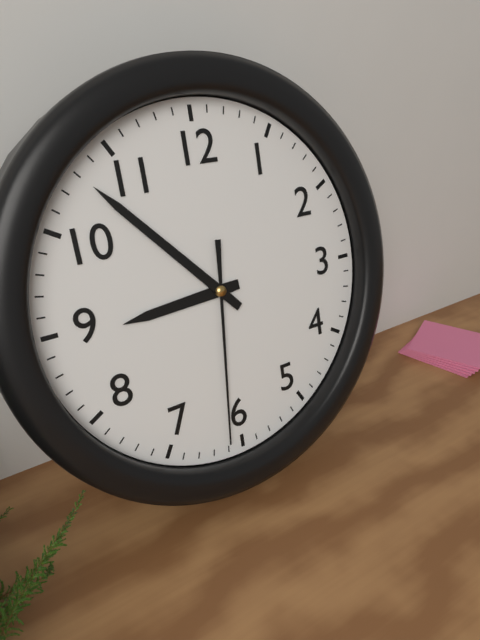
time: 8:53:31
